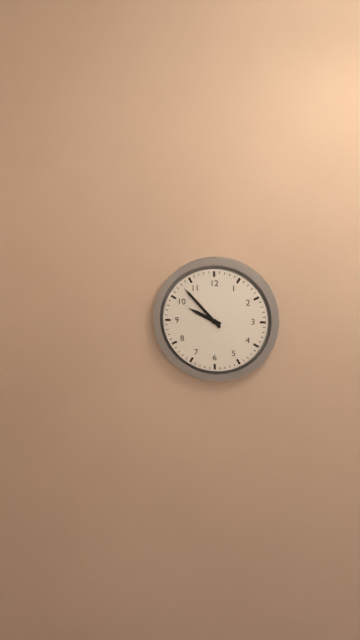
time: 9:53
